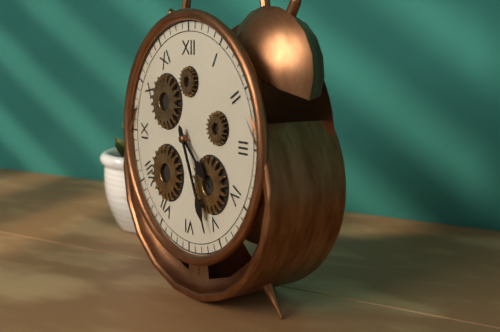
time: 4:26
